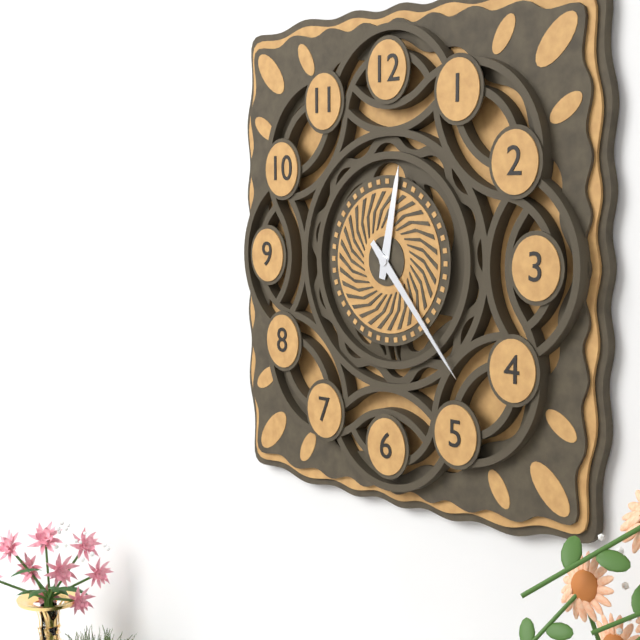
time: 12:23
